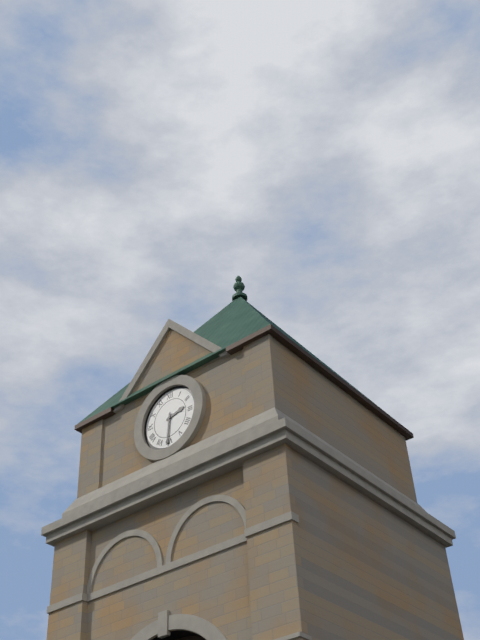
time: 2:31
